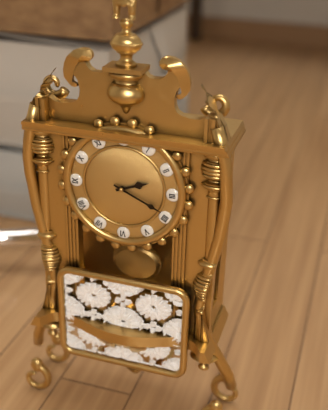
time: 2:19
